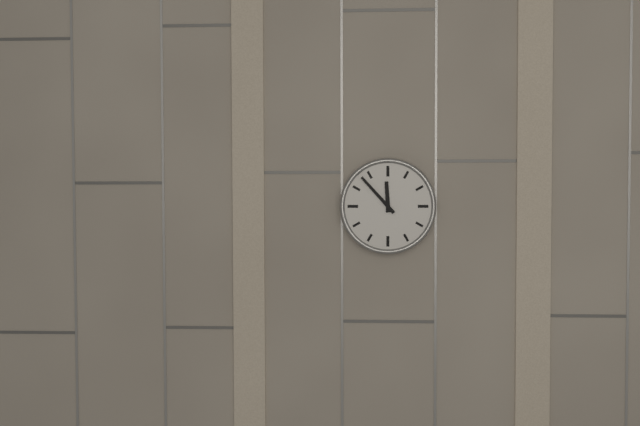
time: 11:53
